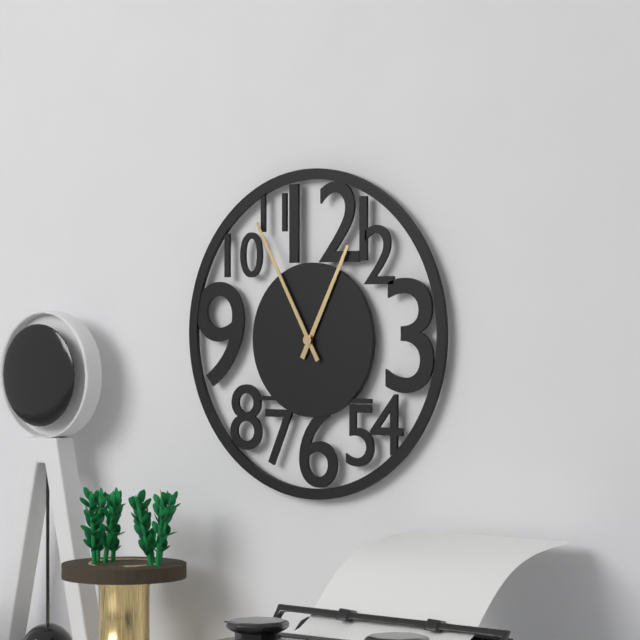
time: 12:55
